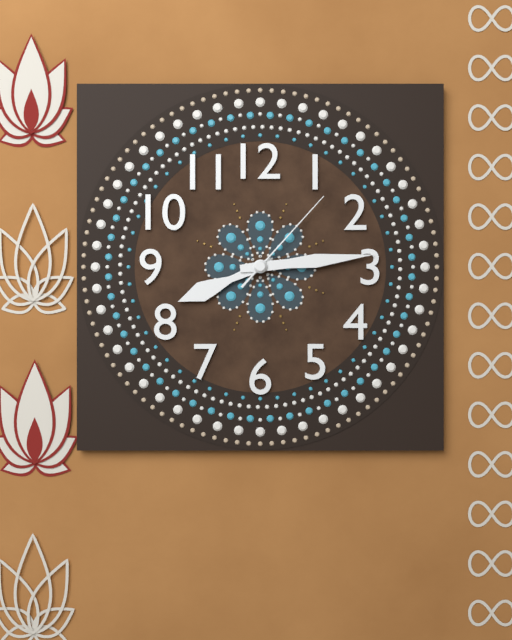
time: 8:14:07
